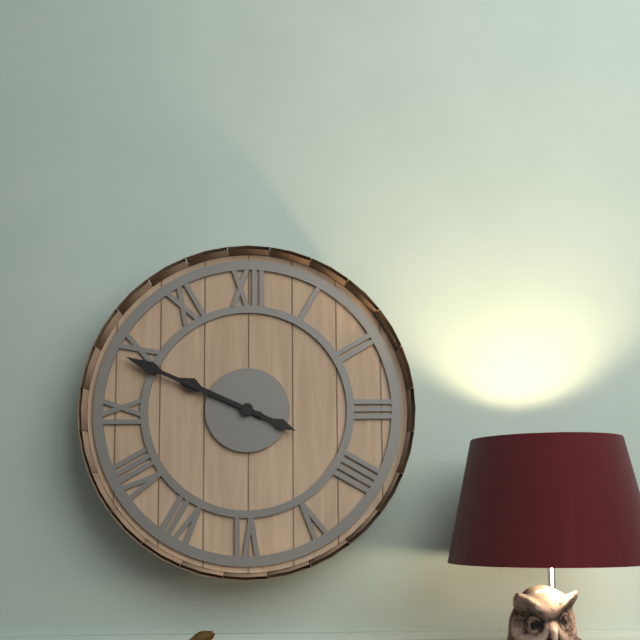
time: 9:49
